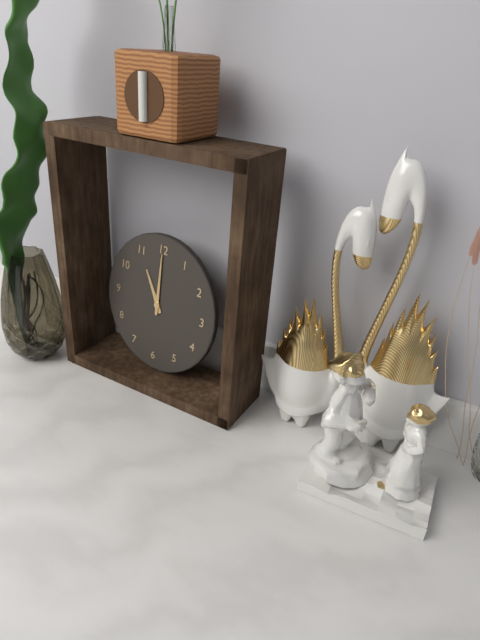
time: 11:00
